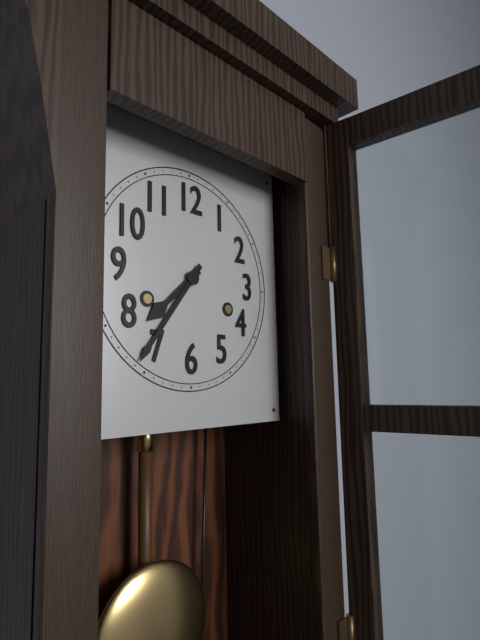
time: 7:36
